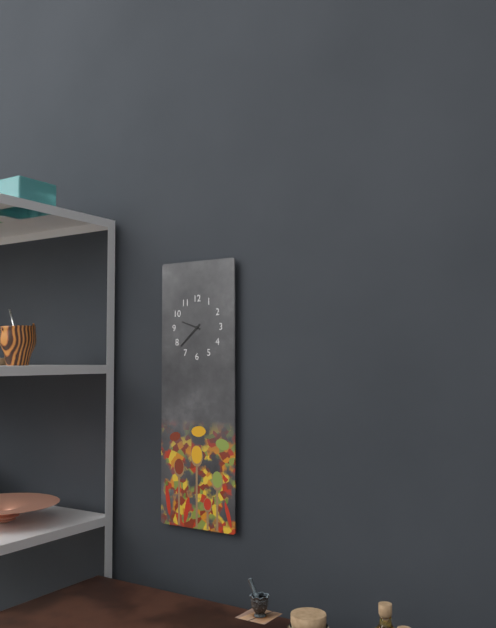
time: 9:38
